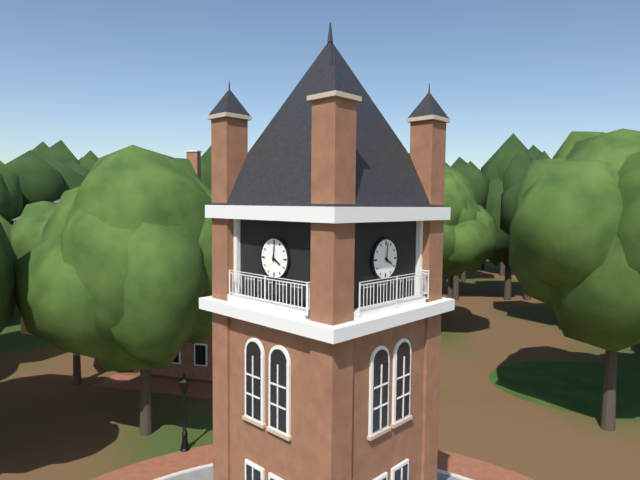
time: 4:01
